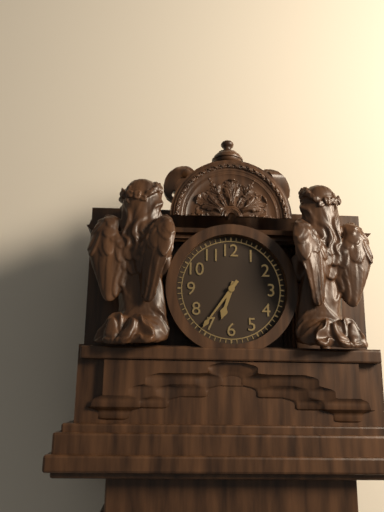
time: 6:36
